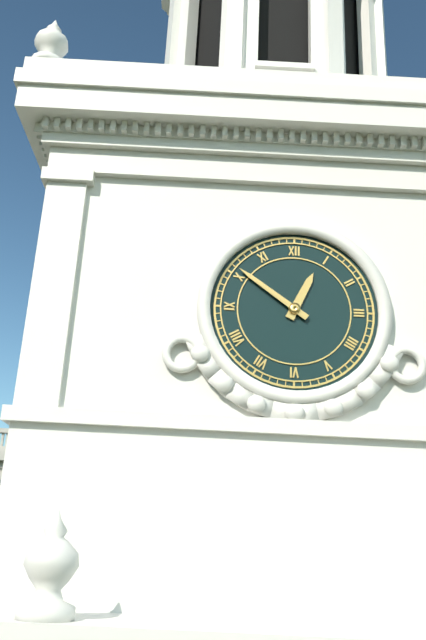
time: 12:51
